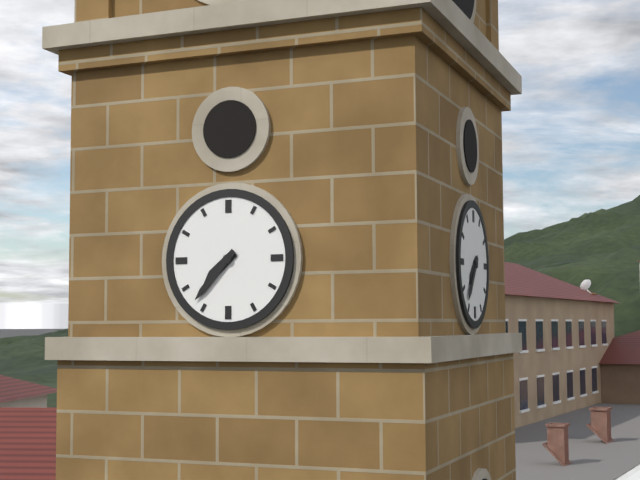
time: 7:37
